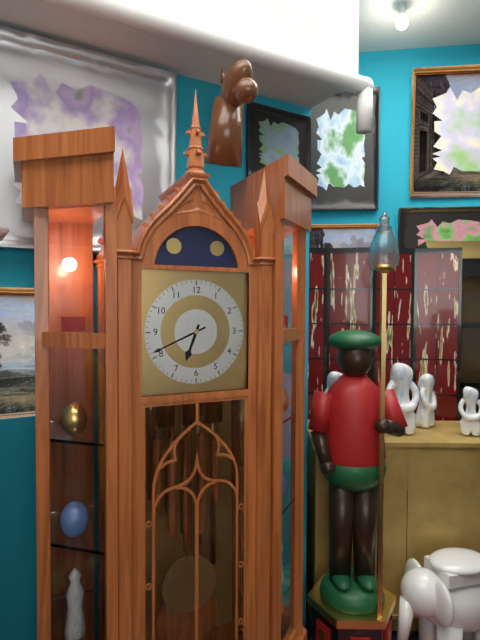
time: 6:41
